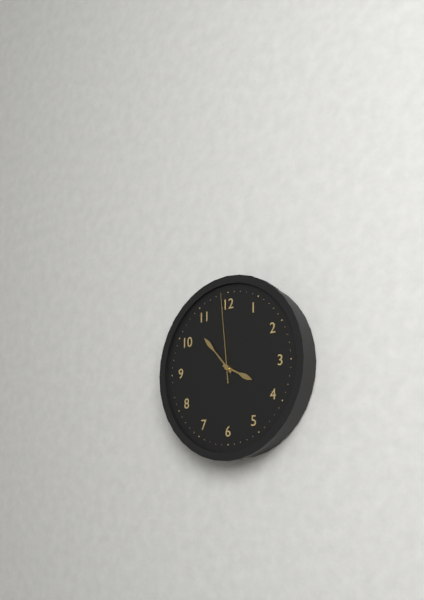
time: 3:53:59
